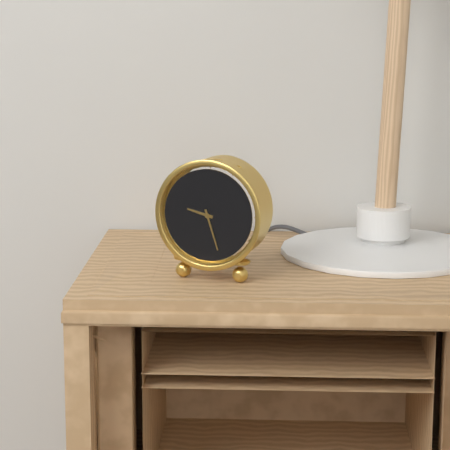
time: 9:27
